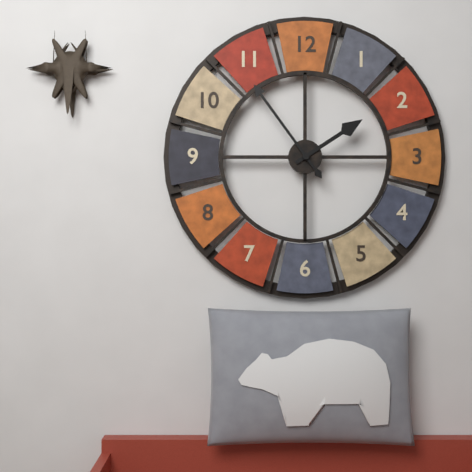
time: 1:54
